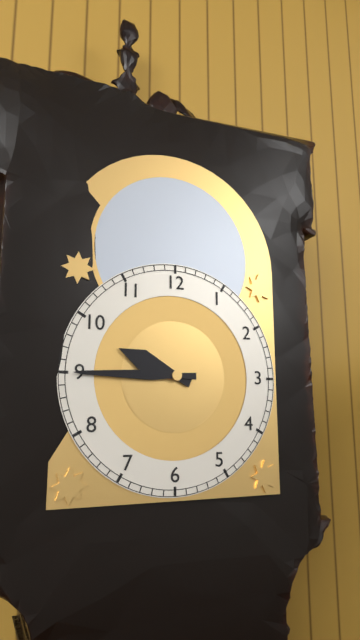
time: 9:45
